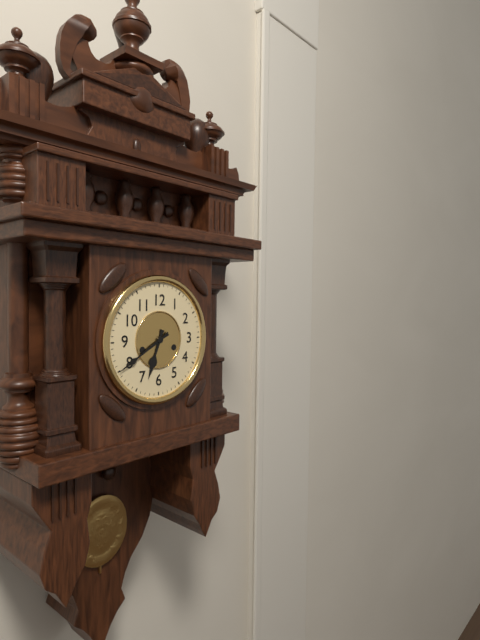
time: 6:40
